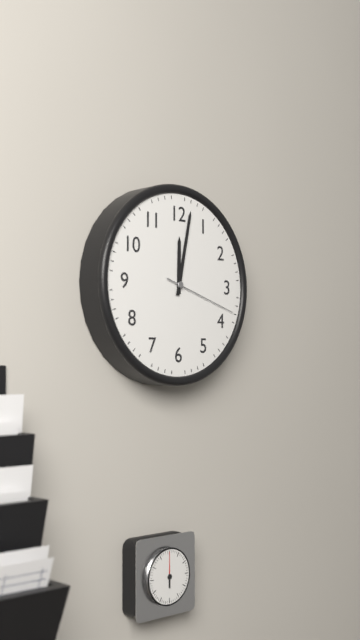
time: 12:02:18
